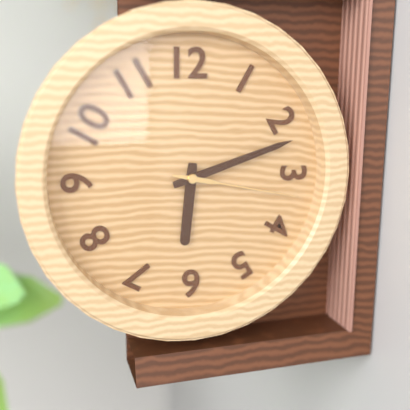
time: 6:12:17
